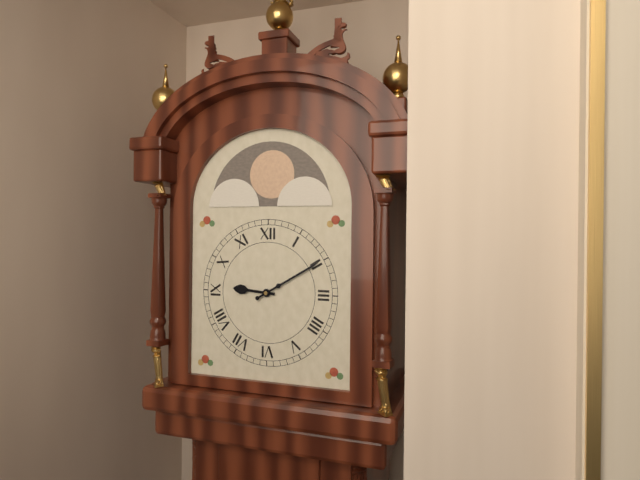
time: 9:10
